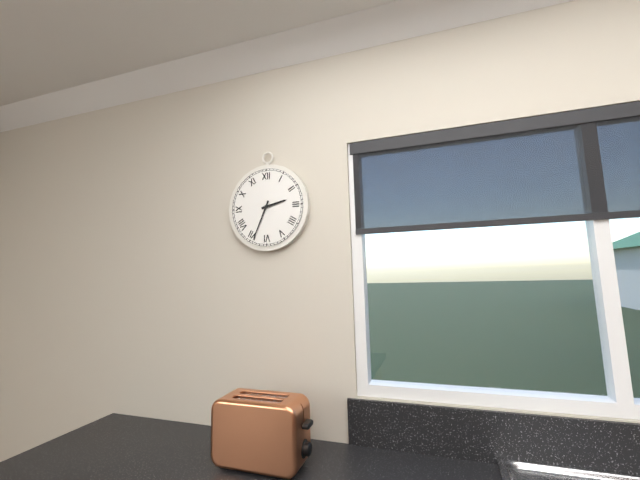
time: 2:34
